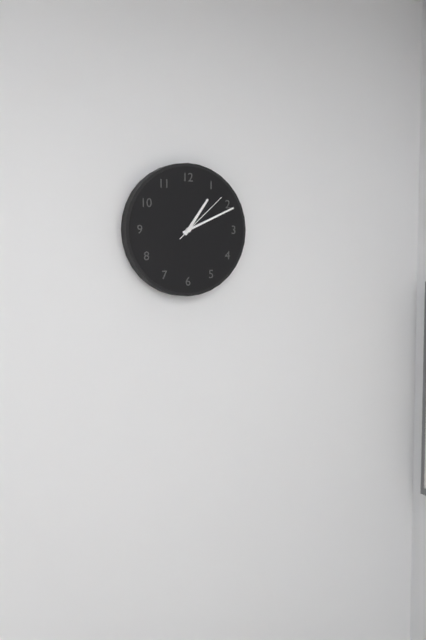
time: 1:11:08
